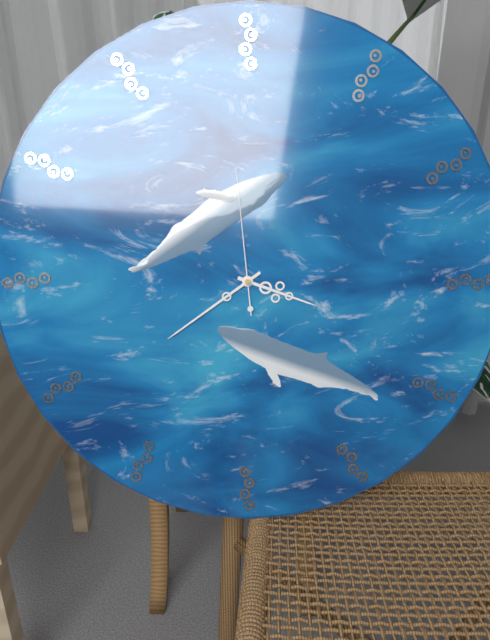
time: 3:39:59
